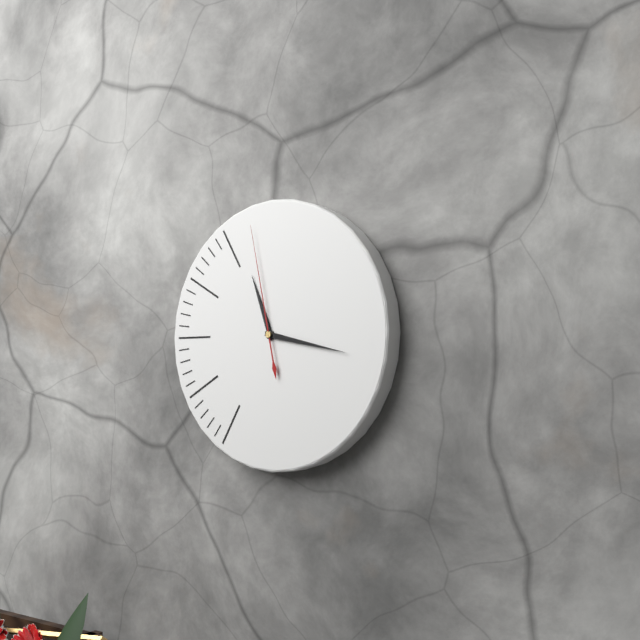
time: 11:17:58
